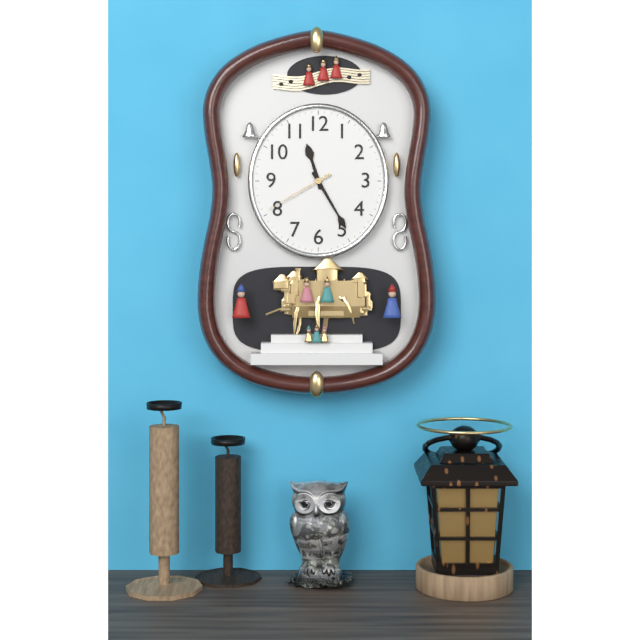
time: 11:25:40
